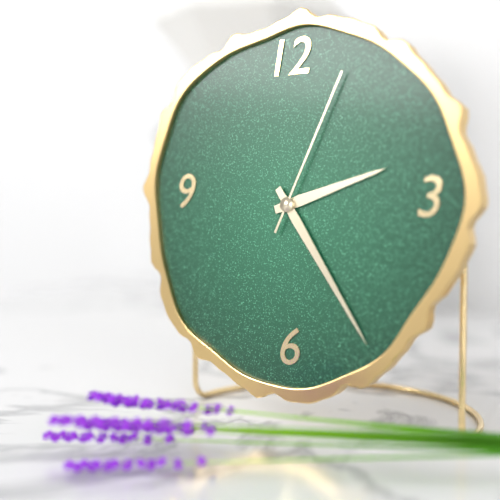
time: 2:24:04
